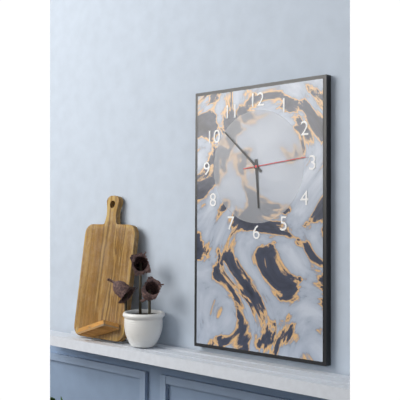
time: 5:52:14
